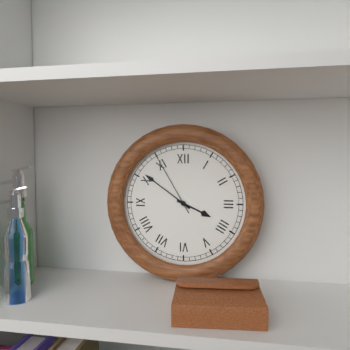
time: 3:51:55
